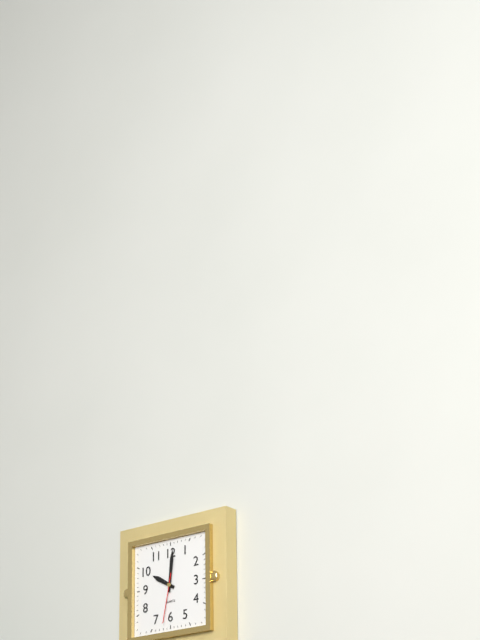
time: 10:01
